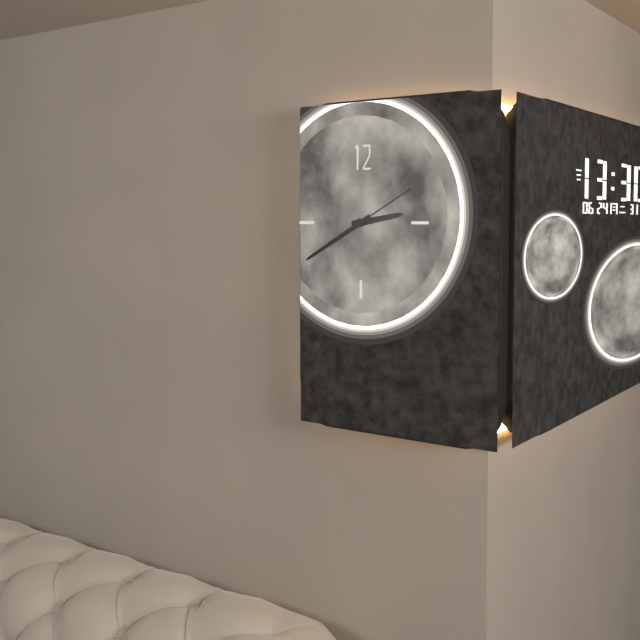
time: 2:40:10
